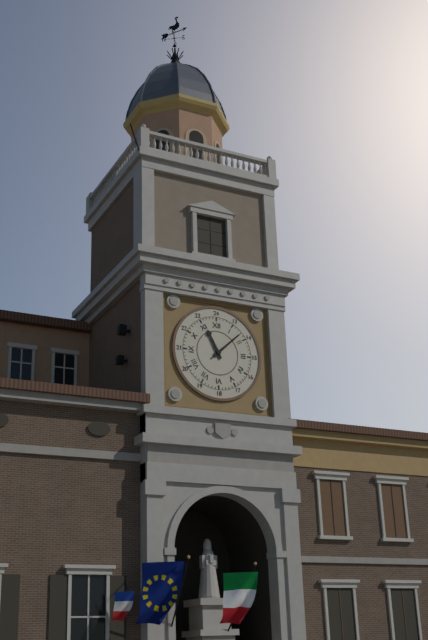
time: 11:08
